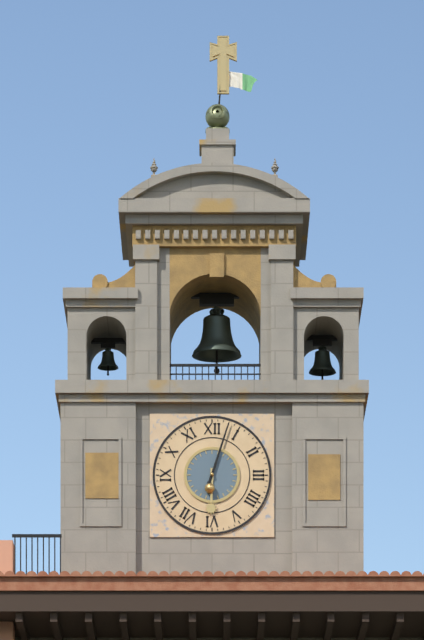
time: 6:03
